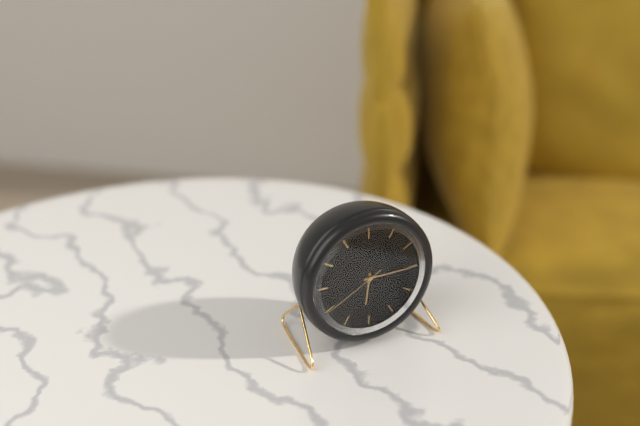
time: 6:15:40
